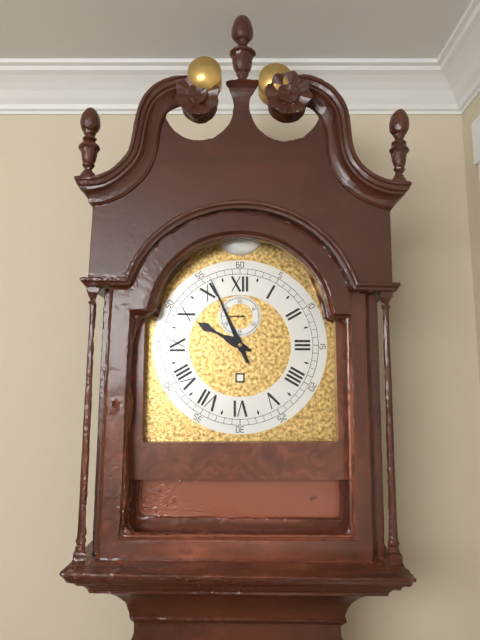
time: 9:56
